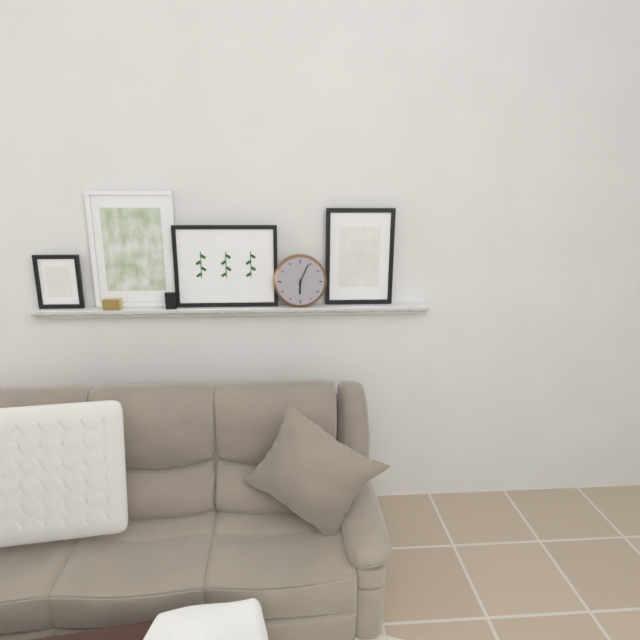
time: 6:04
